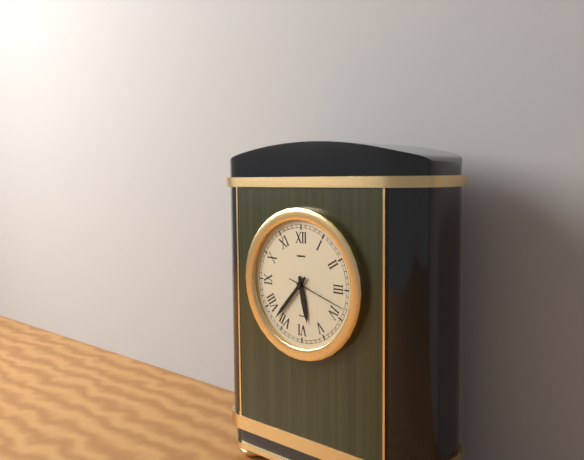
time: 5:37
